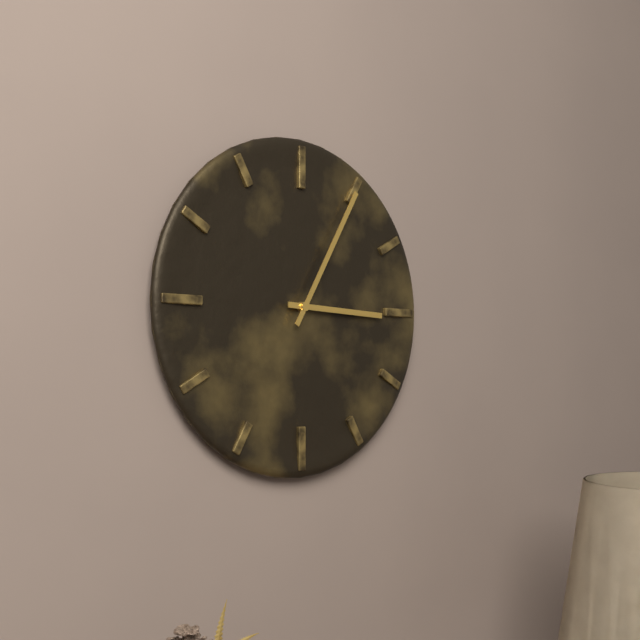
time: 3:05
